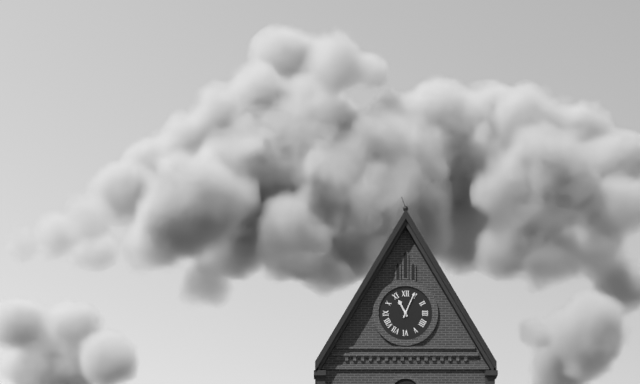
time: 11:04
